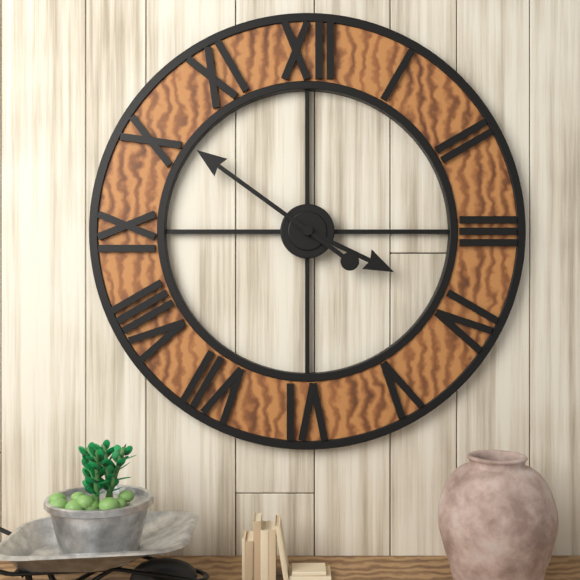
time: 3:51
